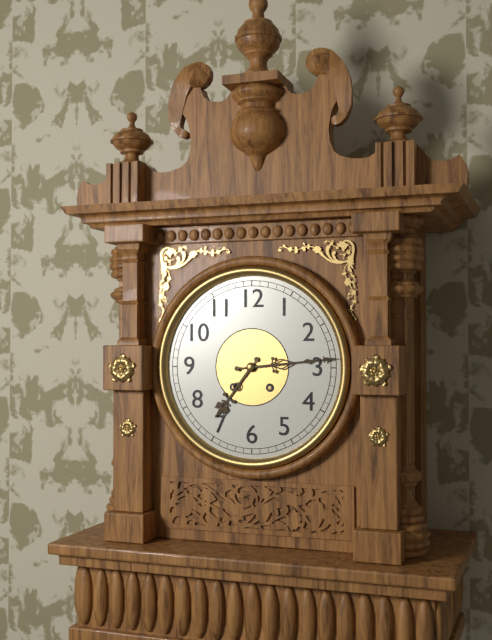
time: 7:14
